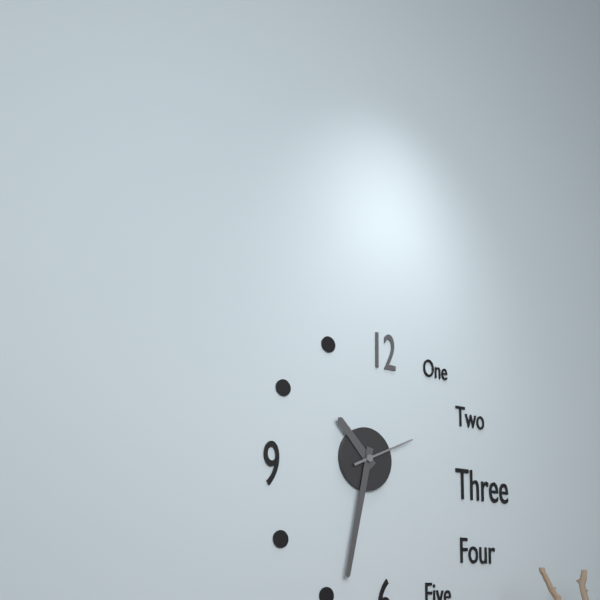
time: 10:32:11
